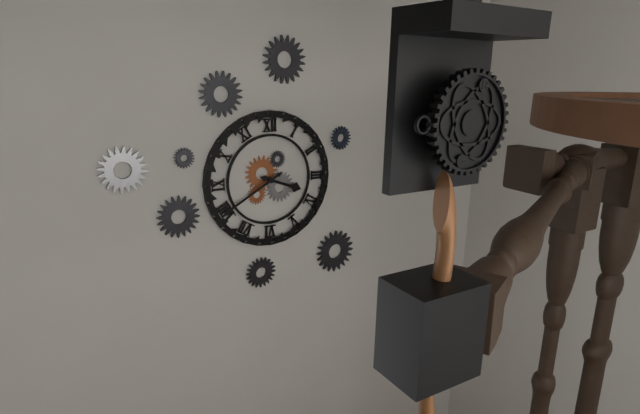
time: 3:40
